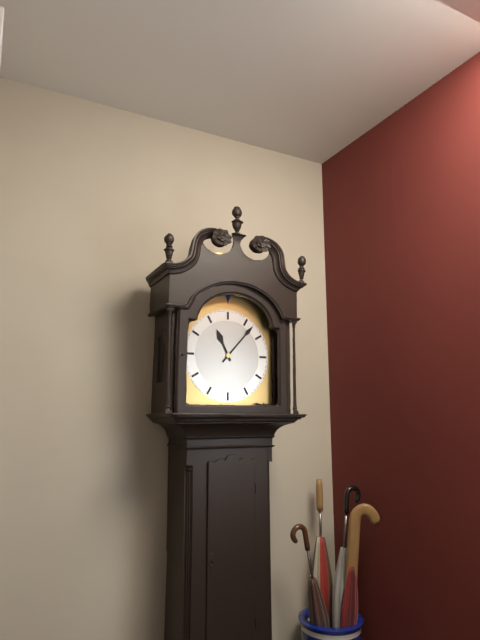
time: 11:07
